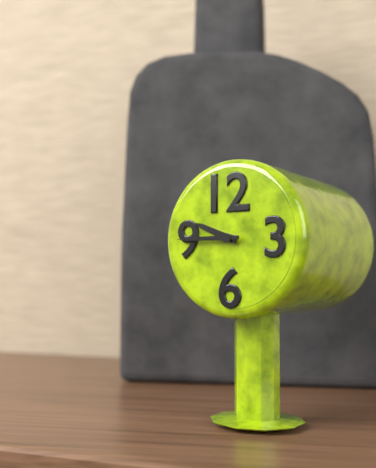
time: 9:45
